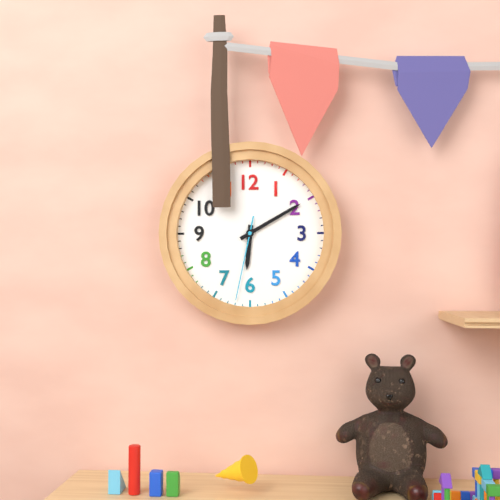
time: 6:10:32
